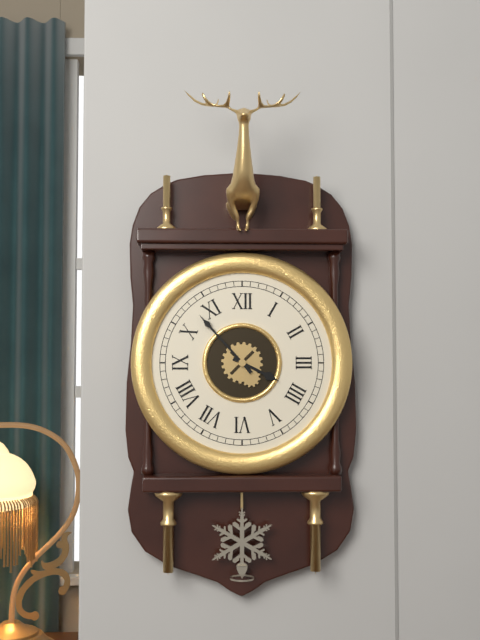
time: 3:53
